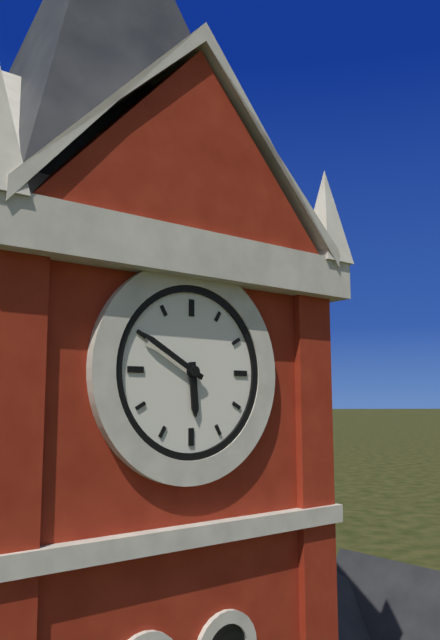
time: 5:50
